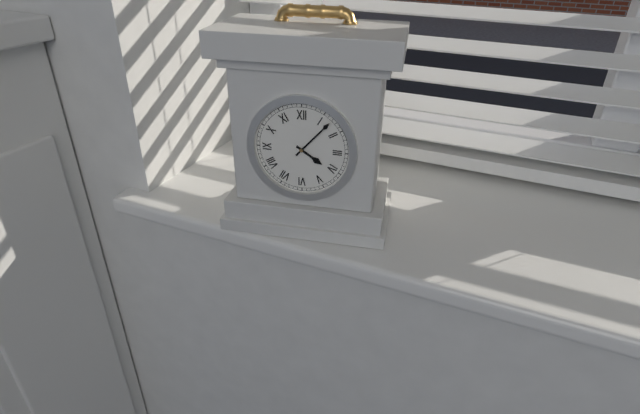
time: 4:07
